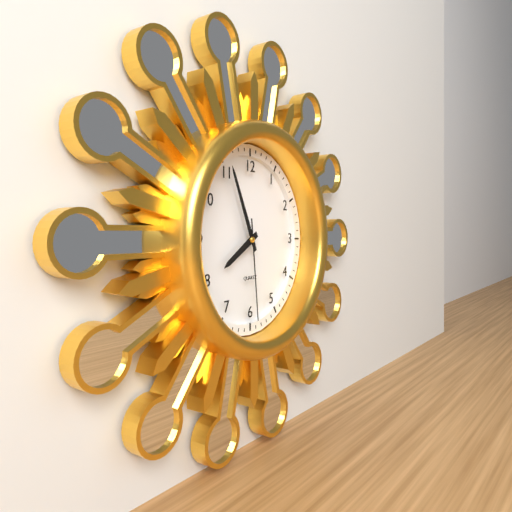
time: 7:56:29
